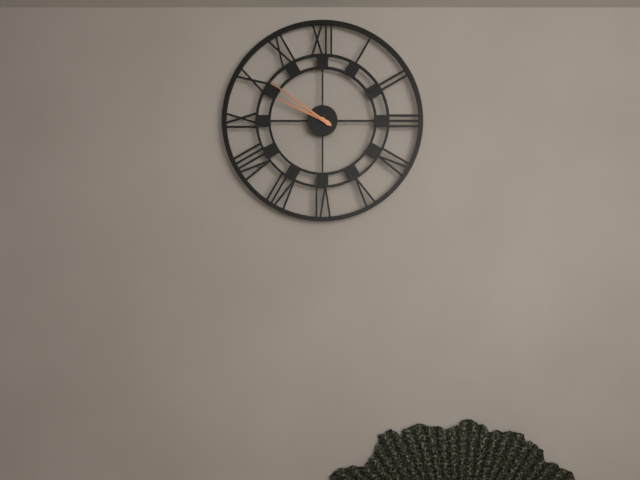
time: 9:51
